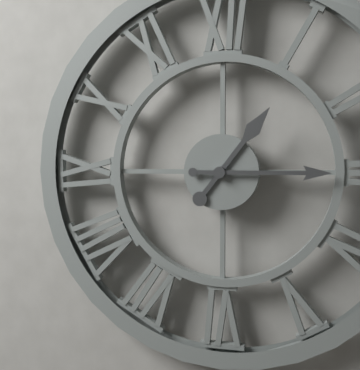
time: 1:15
